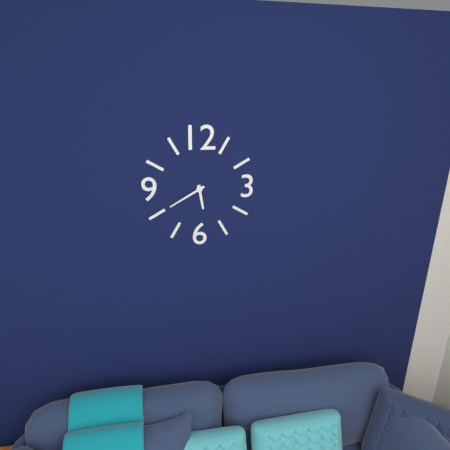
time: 5:40
